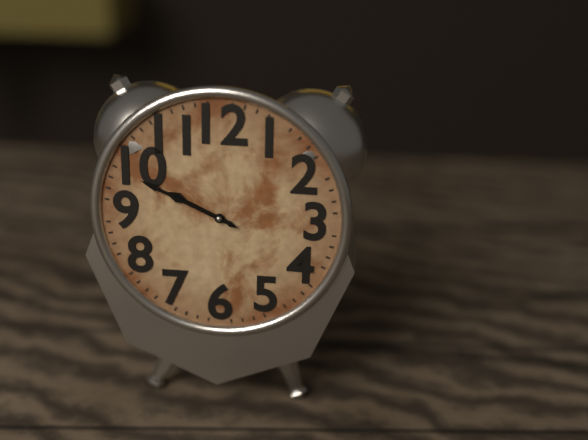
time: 9:49
